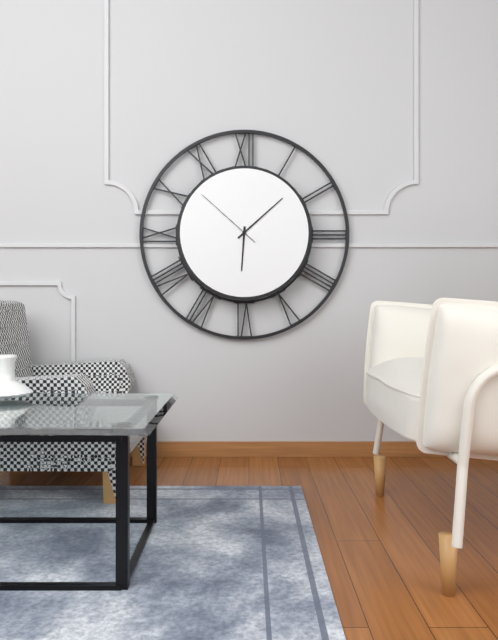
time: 6:08:52
